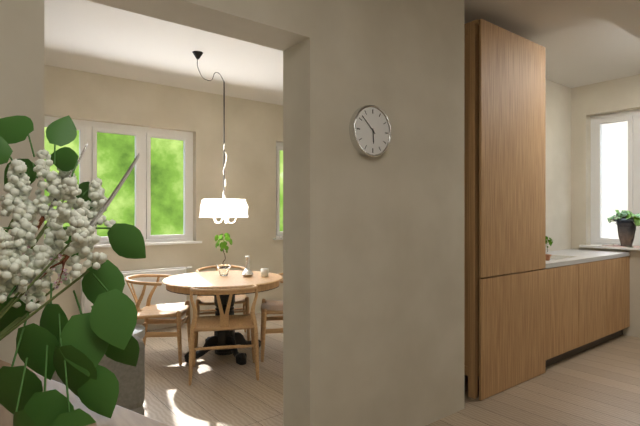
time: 5:52
